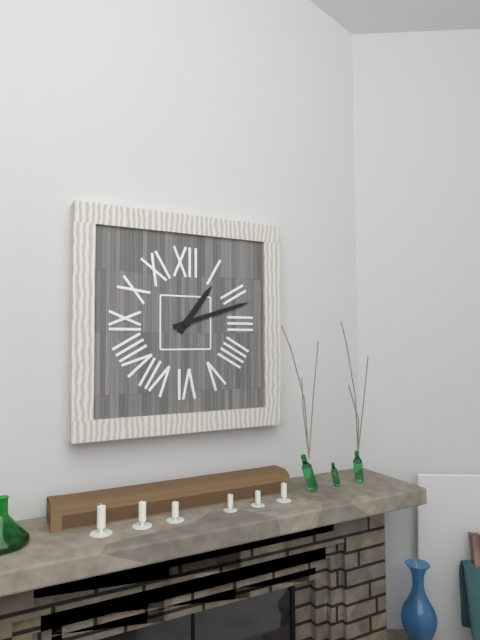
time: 1:12
